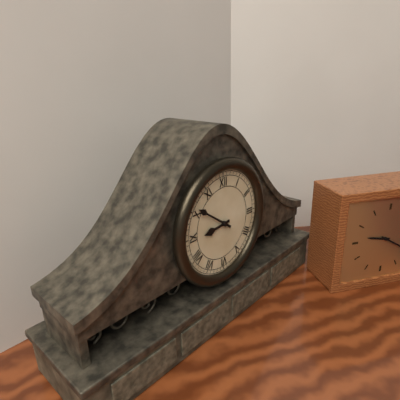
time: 8:51
